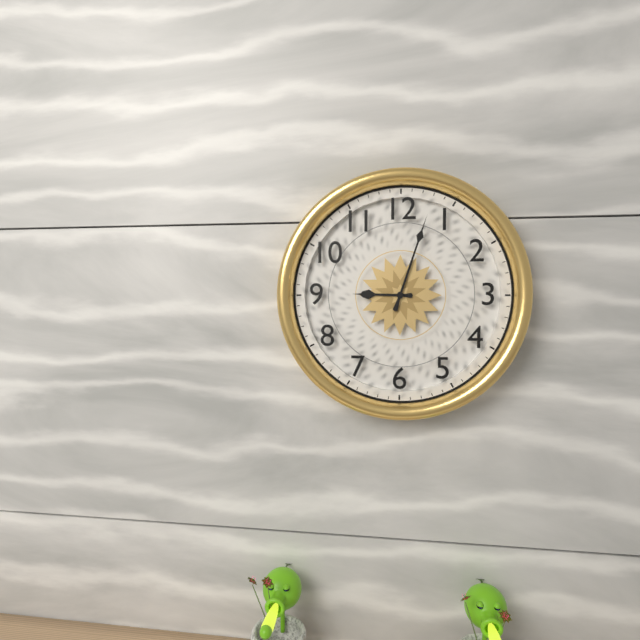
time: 9:03
